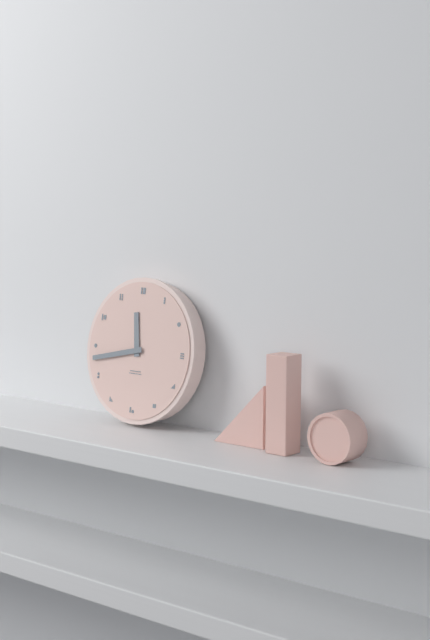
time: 11:43
